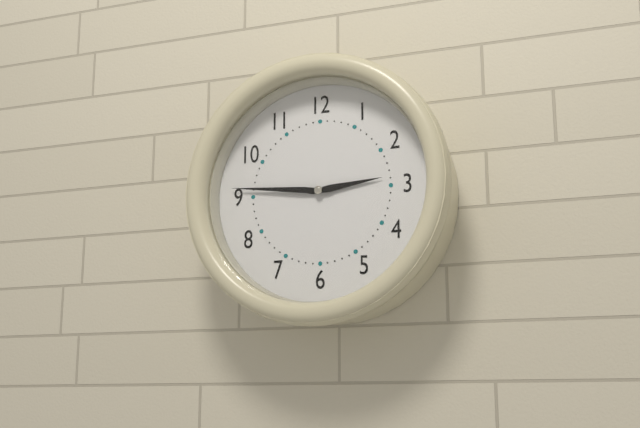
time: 2:46
